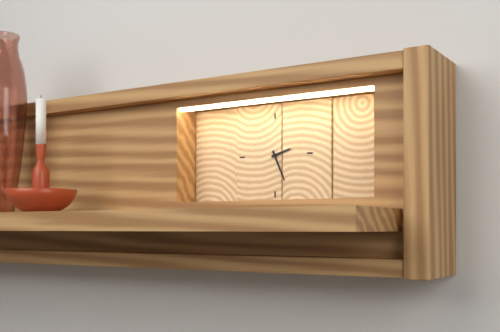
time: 2:26
